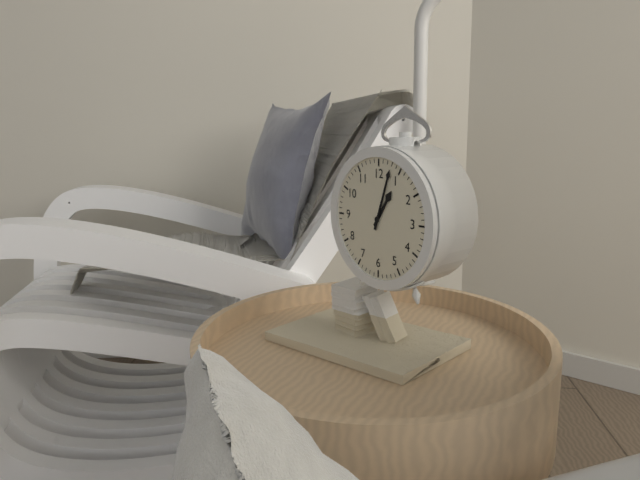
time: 1:03
